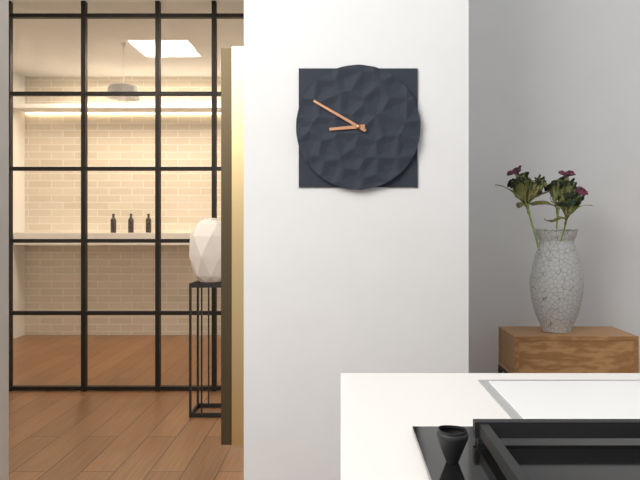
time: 8:50
